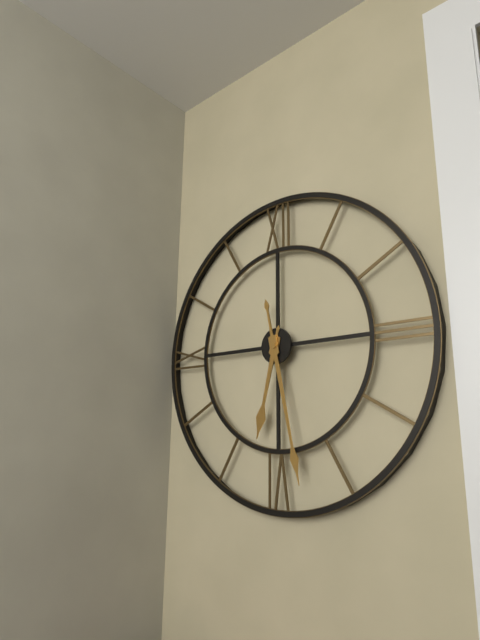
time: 6:28
